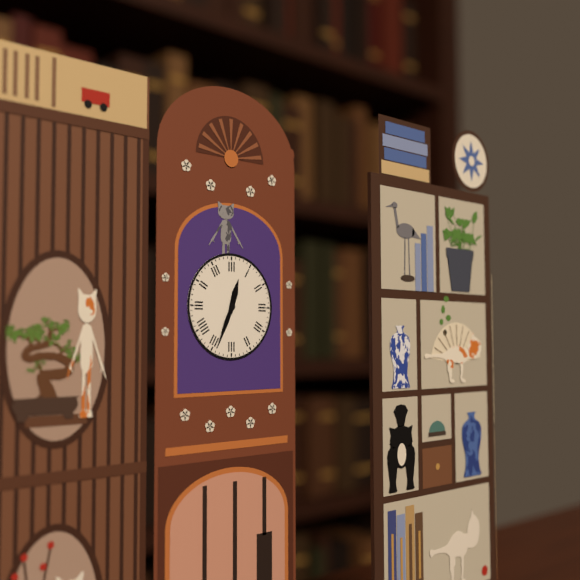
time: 12:34
